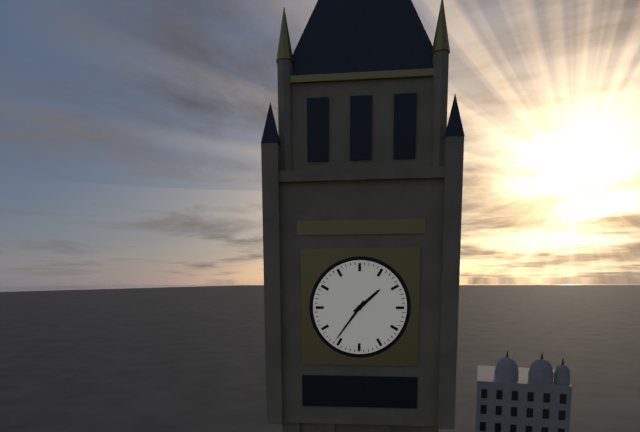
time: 1:36
